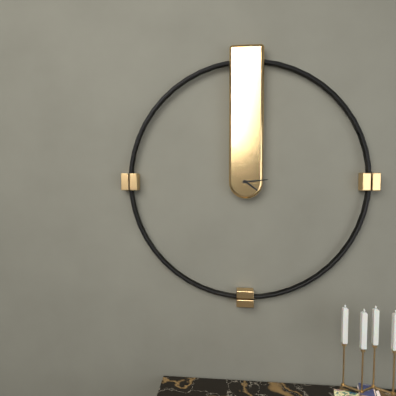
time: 4:14
